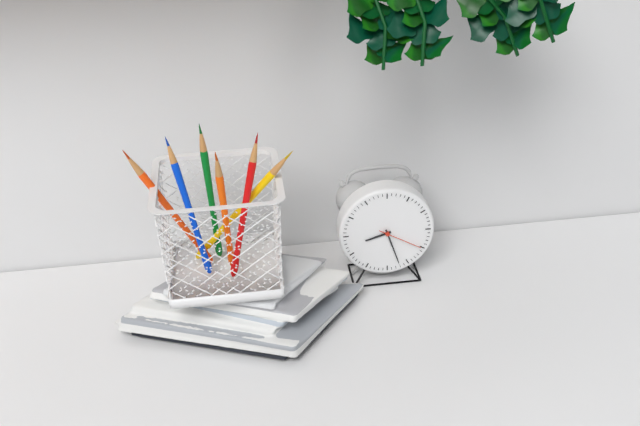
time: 8:27
